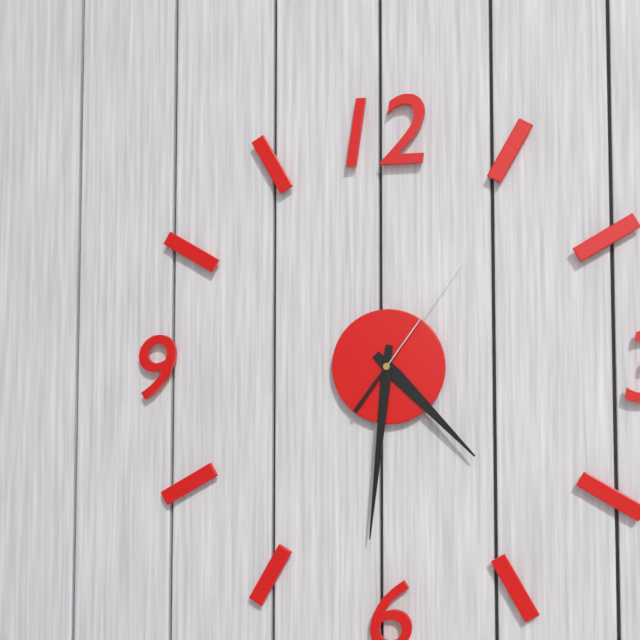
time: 4:31:06
